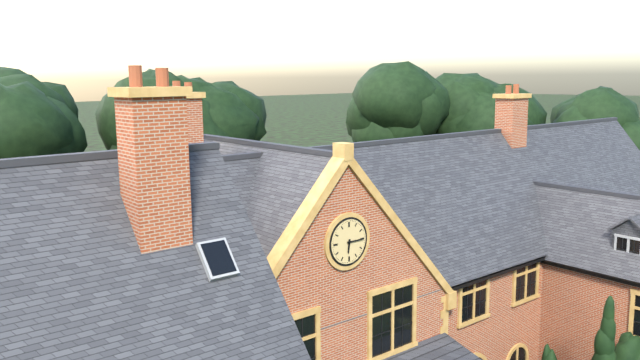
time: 6:15
